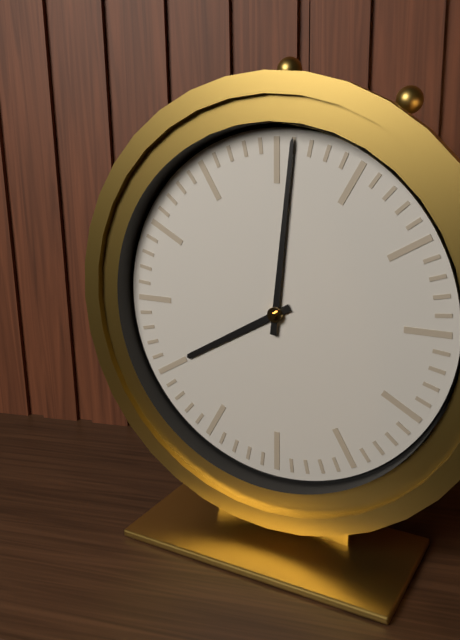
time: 8:01
